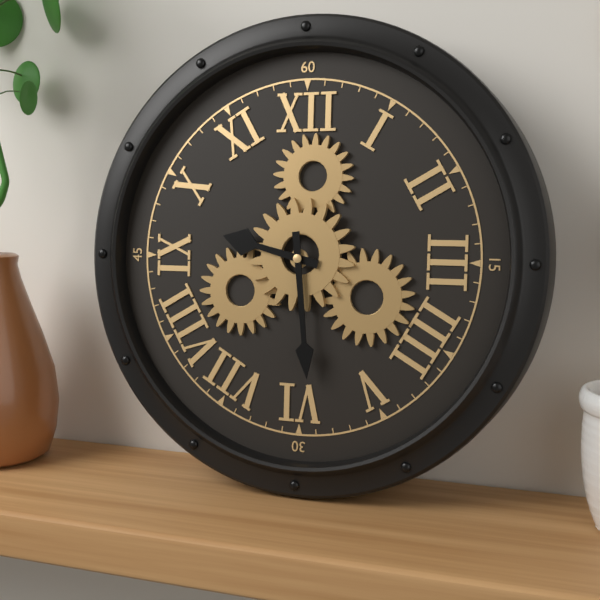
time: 9:29
